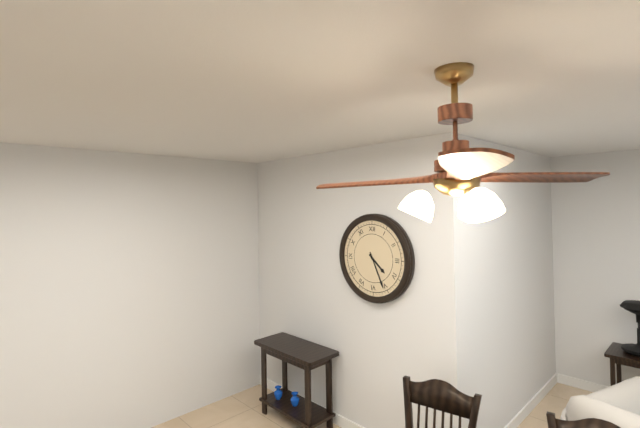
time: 4:26
